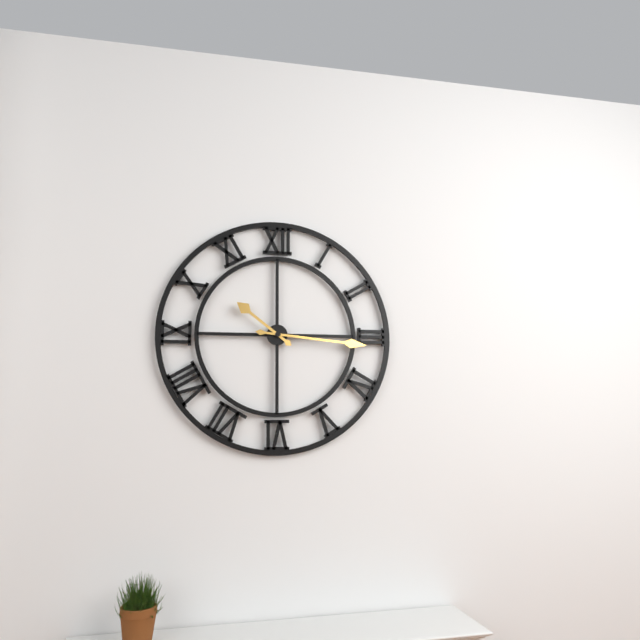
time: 10:16
